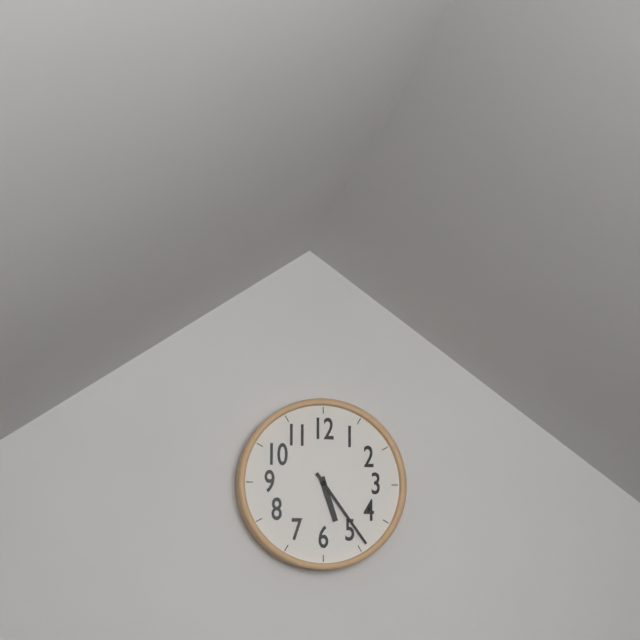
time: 5:24
